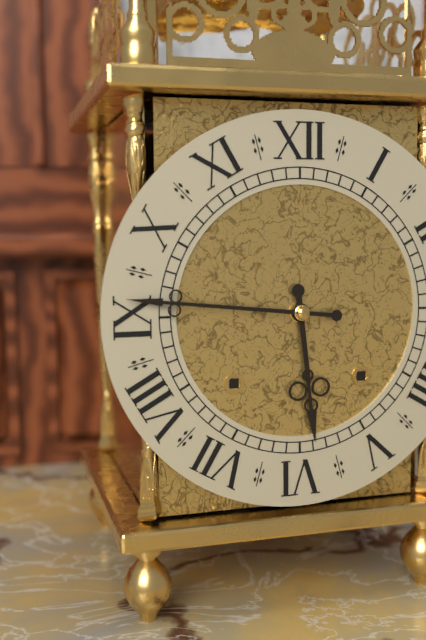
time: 5:46
